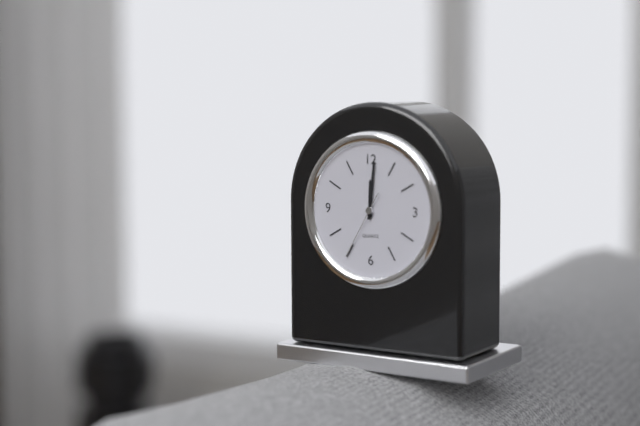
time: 12:01:35
